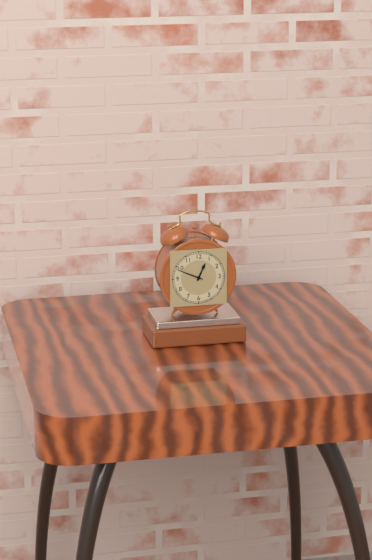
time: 12:49
